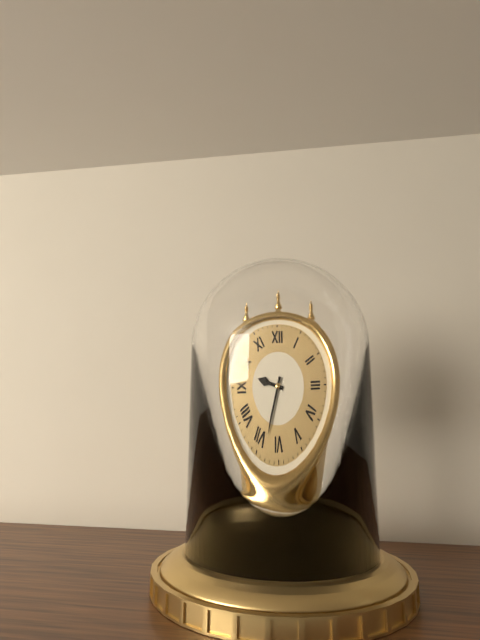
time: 9:33
